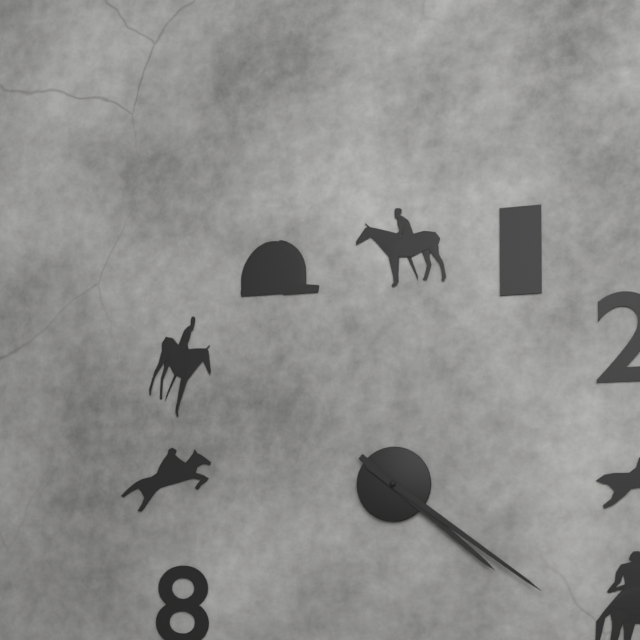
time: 4:21
